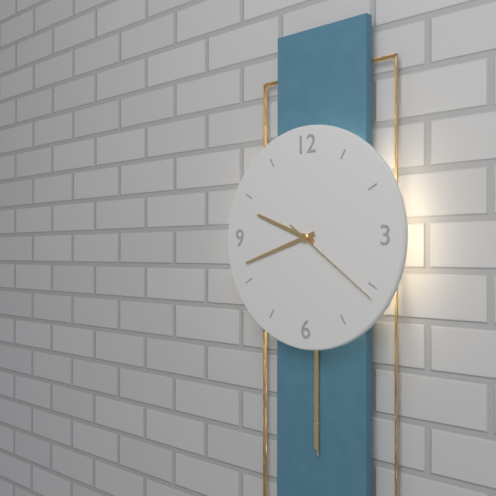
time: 9:42:21
